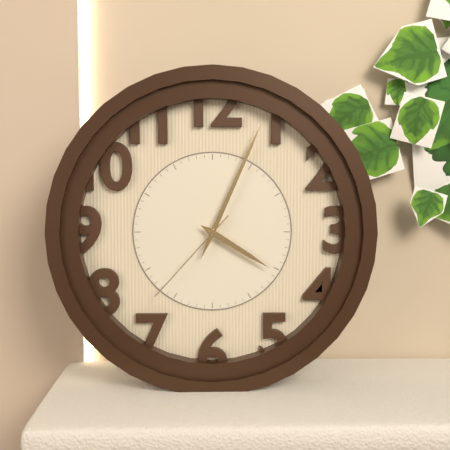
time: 4:04:37
